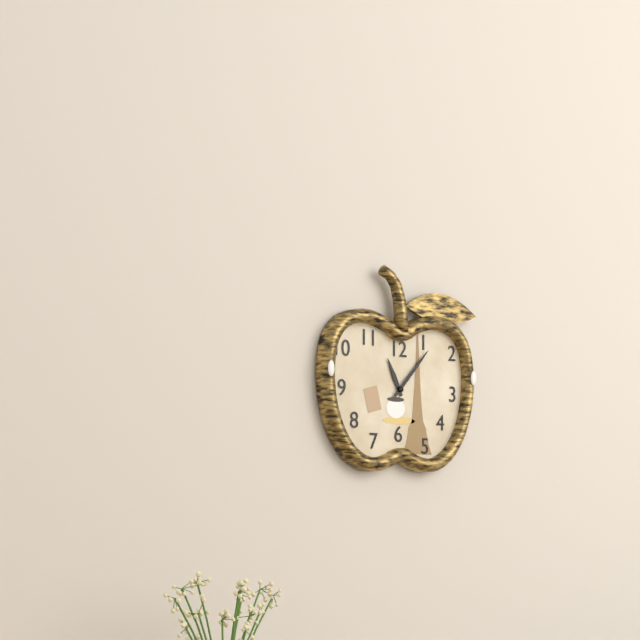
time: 11:07
